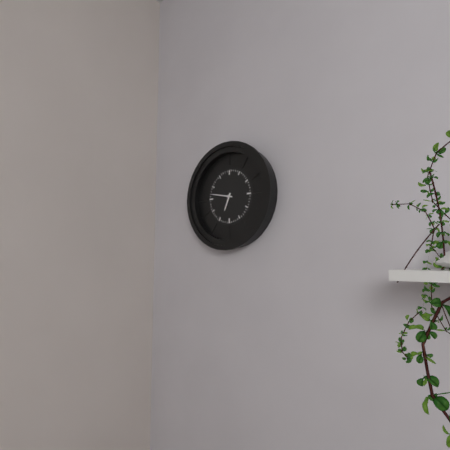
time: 6:47
